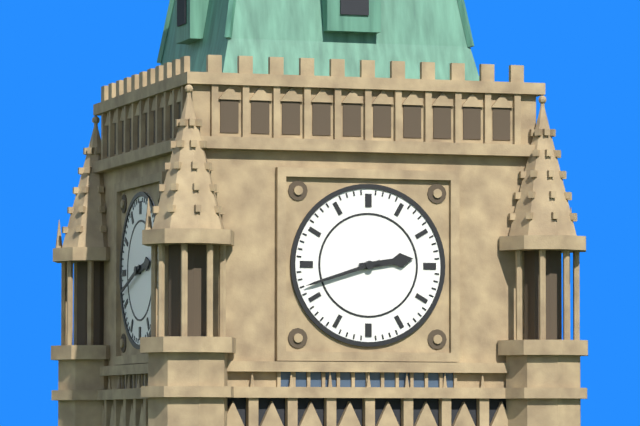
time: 2:42
